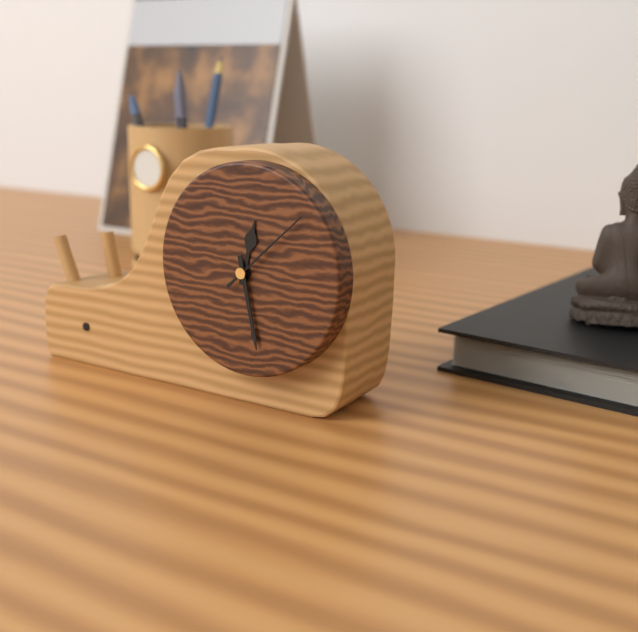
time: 12:28:08
